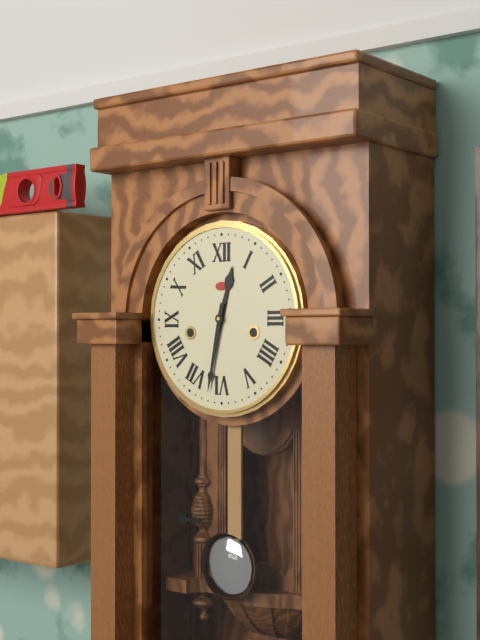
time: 12:32
